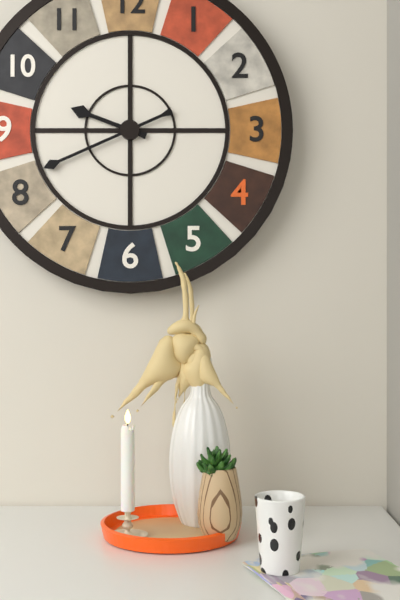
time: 9:41
